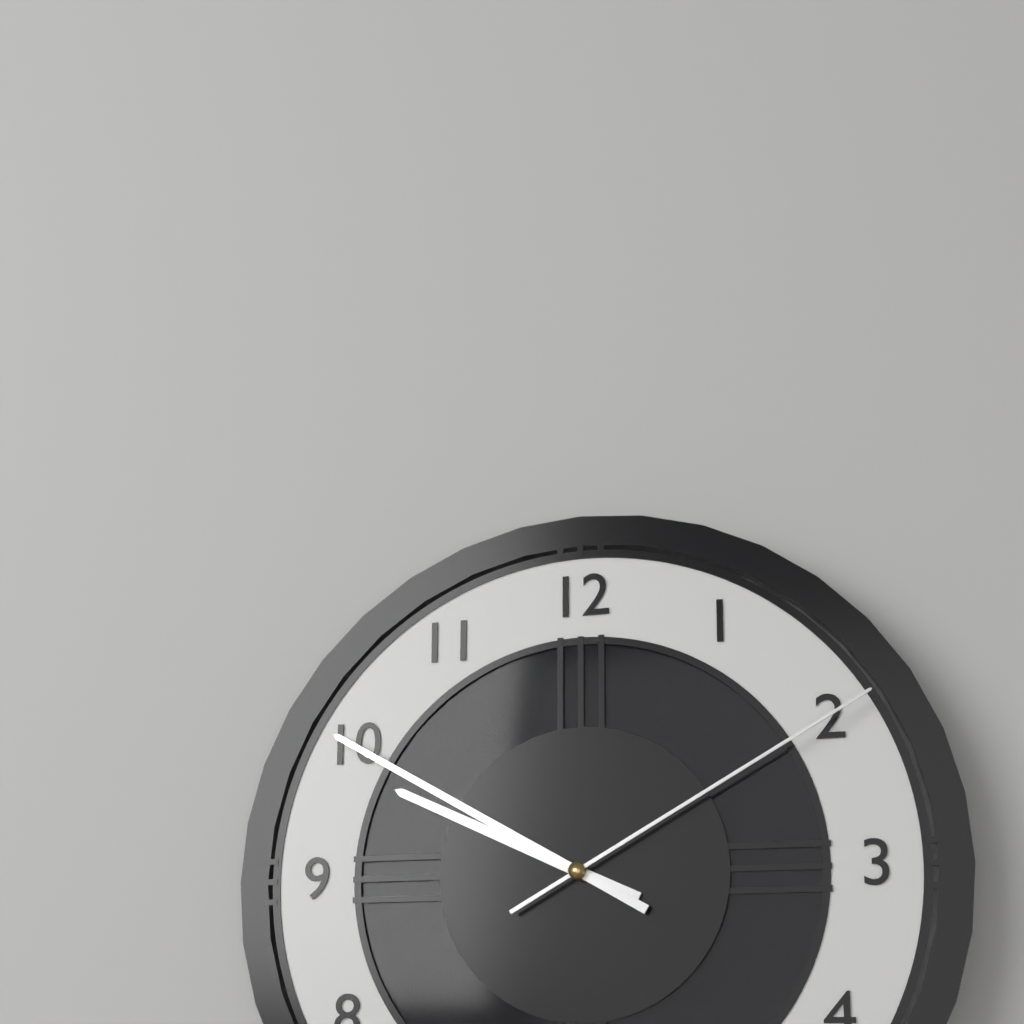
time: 9:50:10
